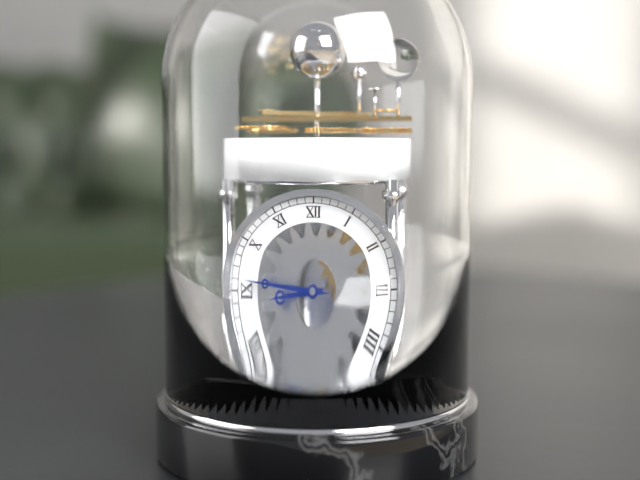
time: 8:46
